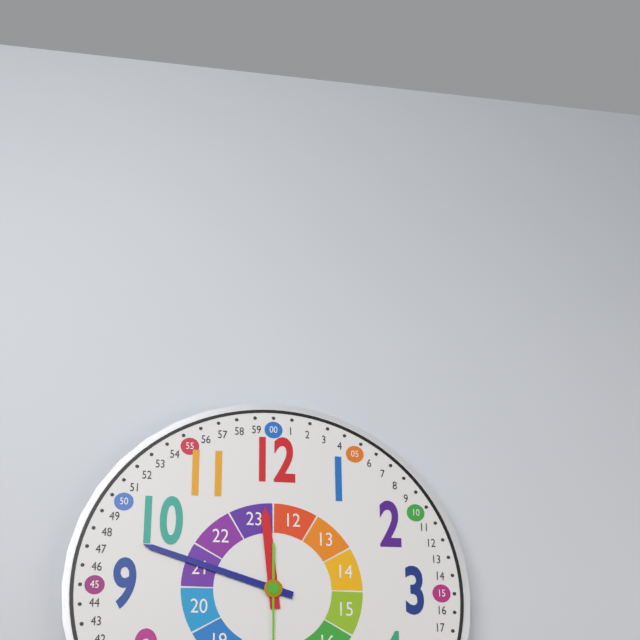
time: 11:48
